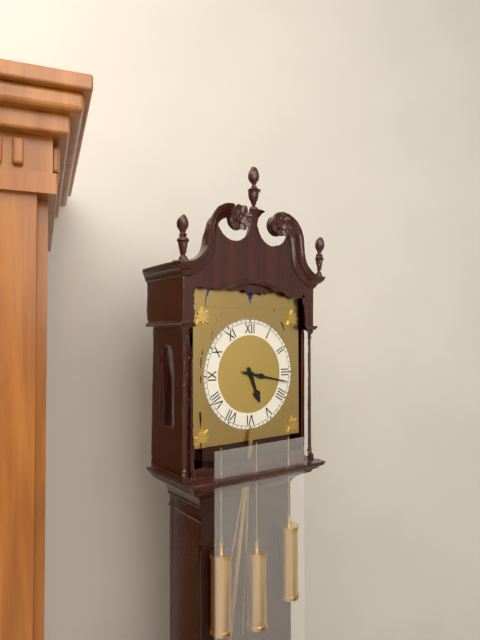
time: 5:17
